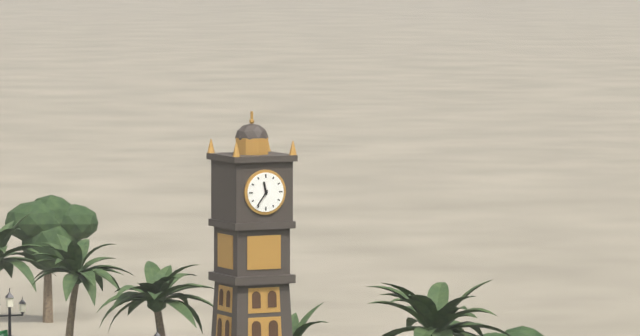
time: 11:36
